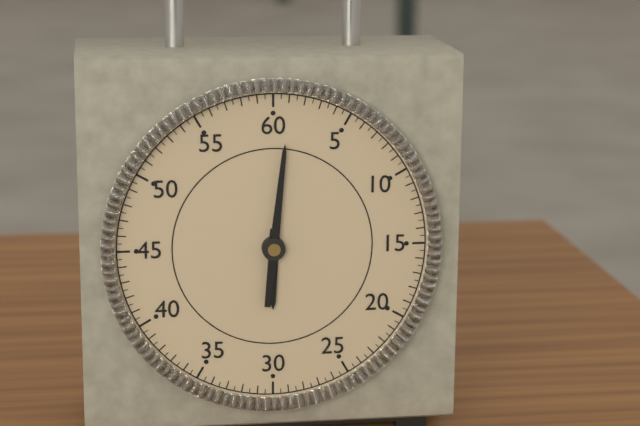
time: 6:01
